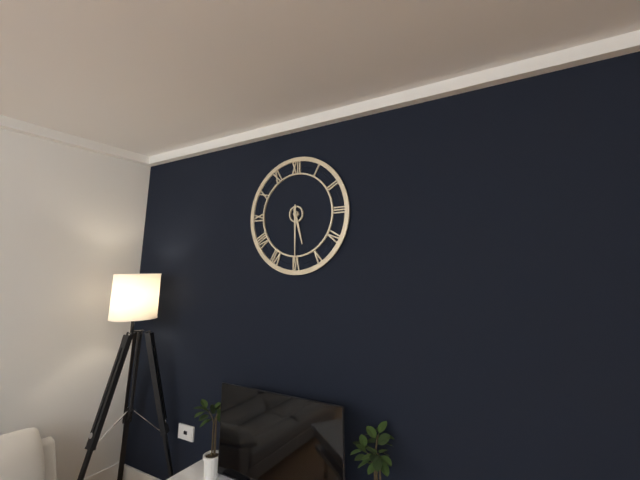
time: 5:30
